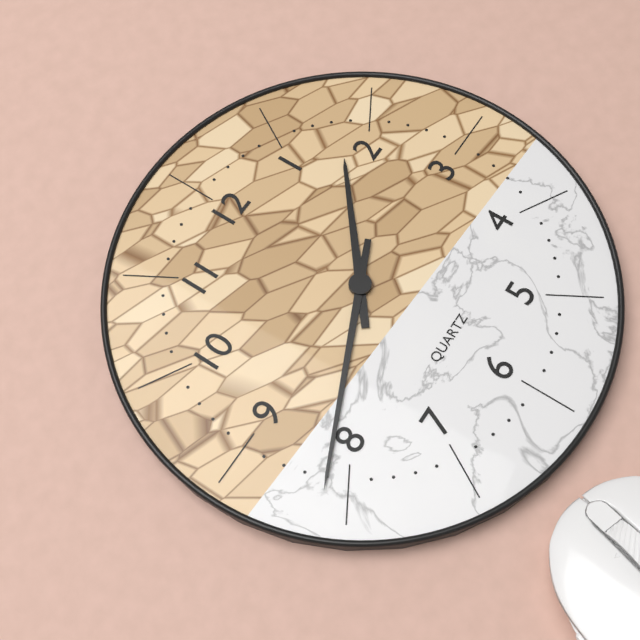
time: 1:41
